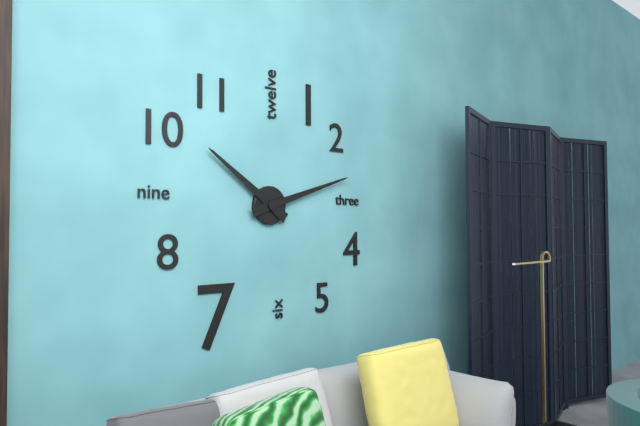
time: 10:12
